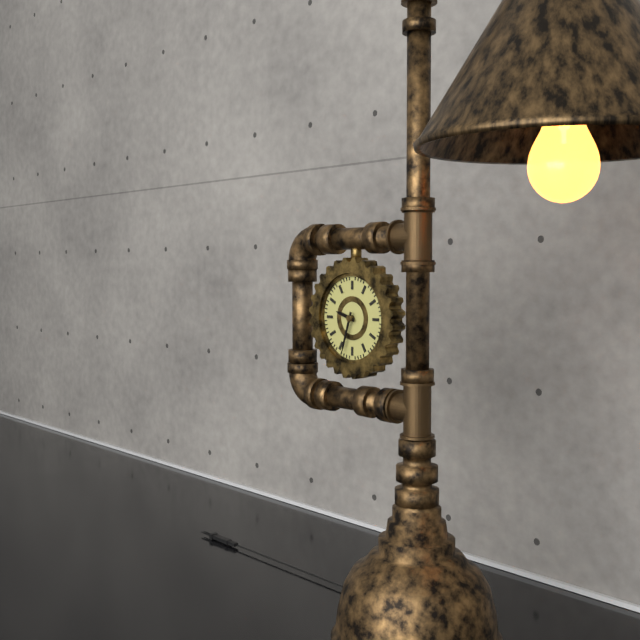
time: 9:33
